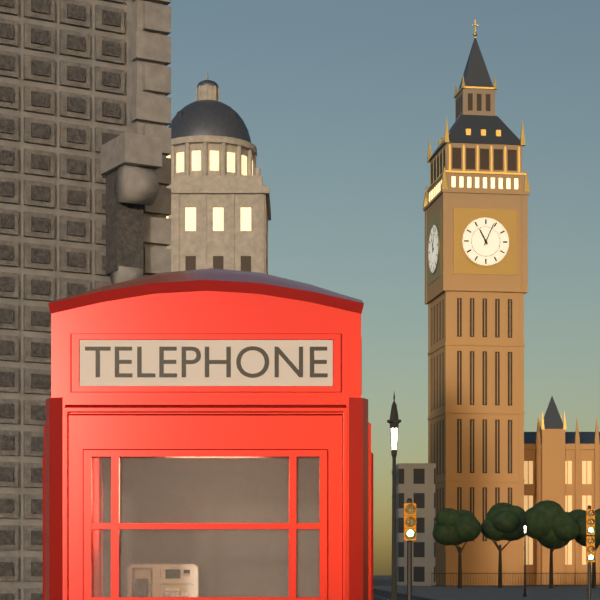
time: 11:04
